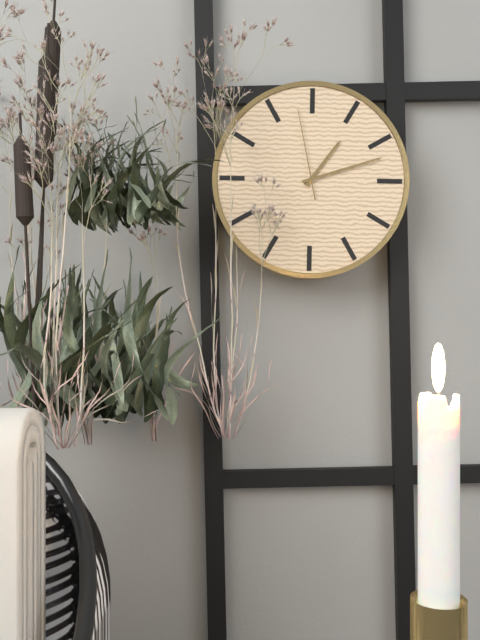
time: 1:12:58
